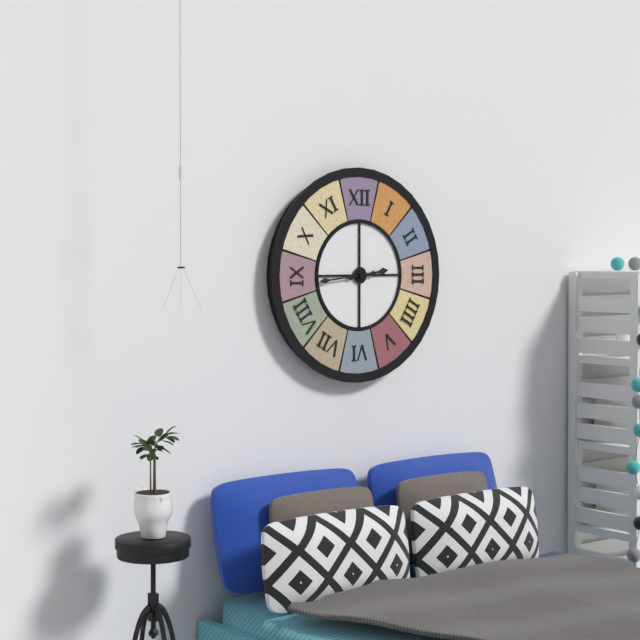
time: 2:44
